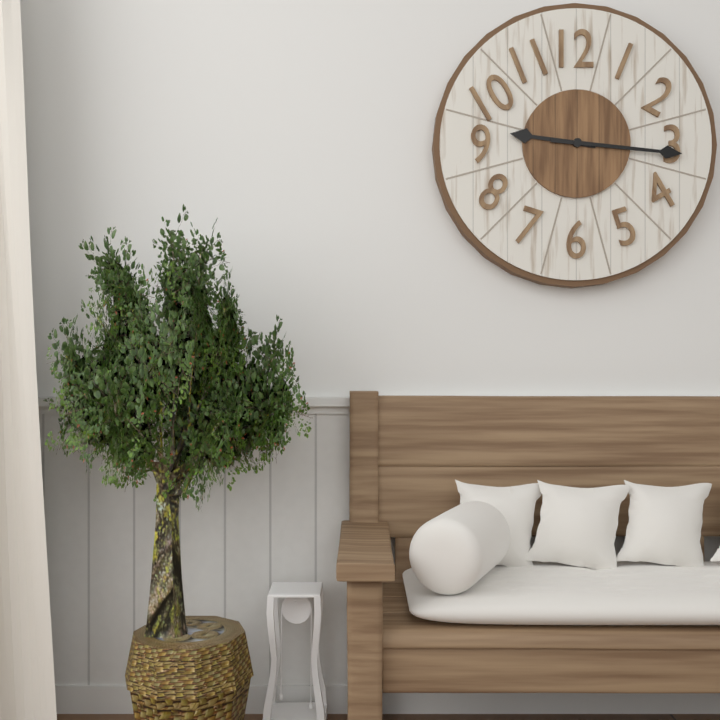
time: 9:16
